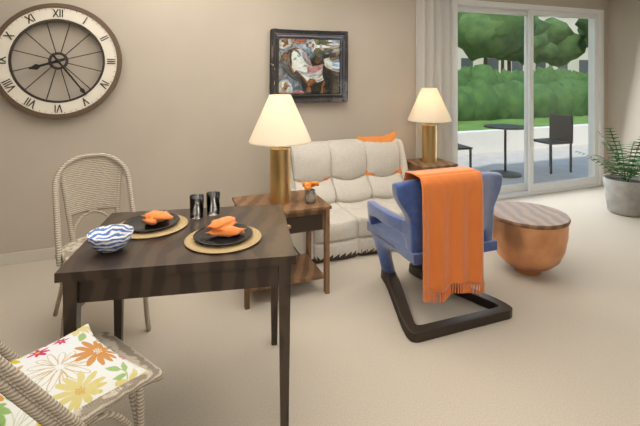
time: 8:24
